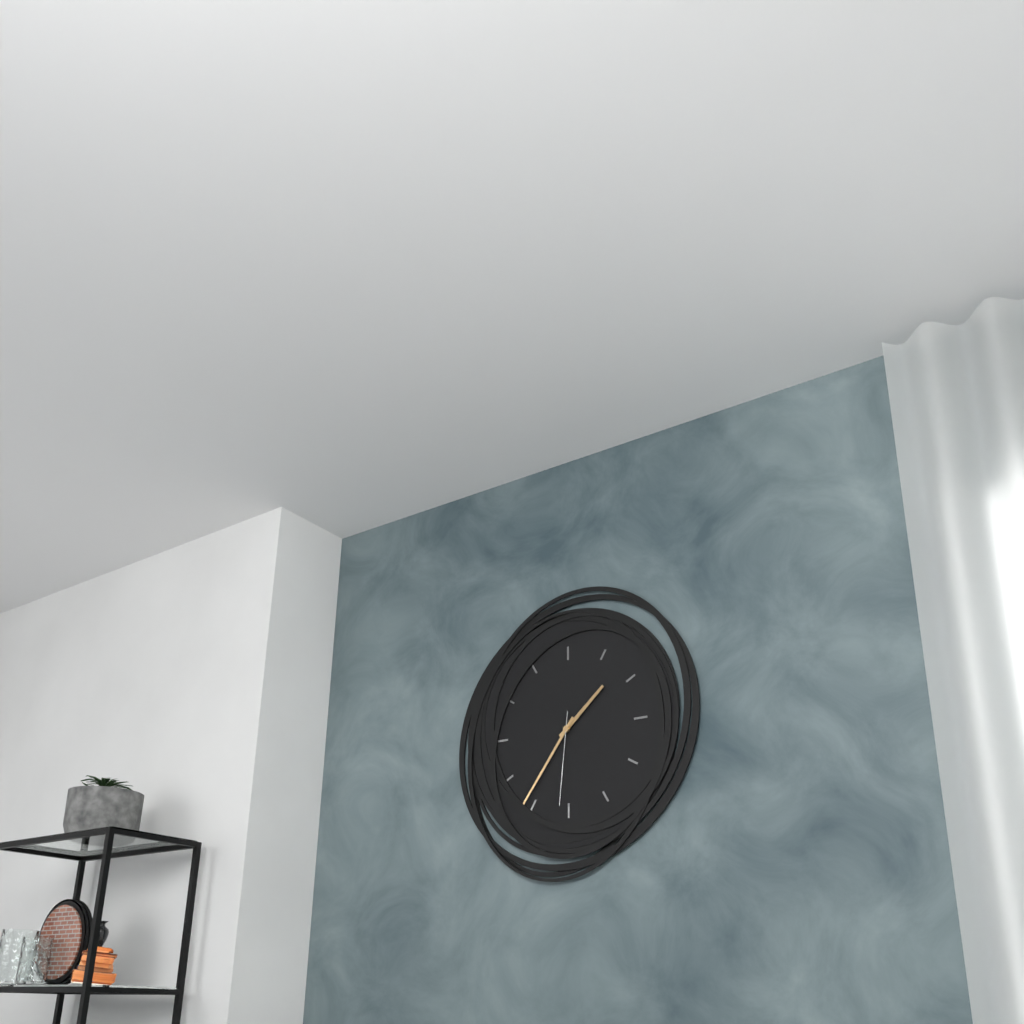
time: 1:36:31
